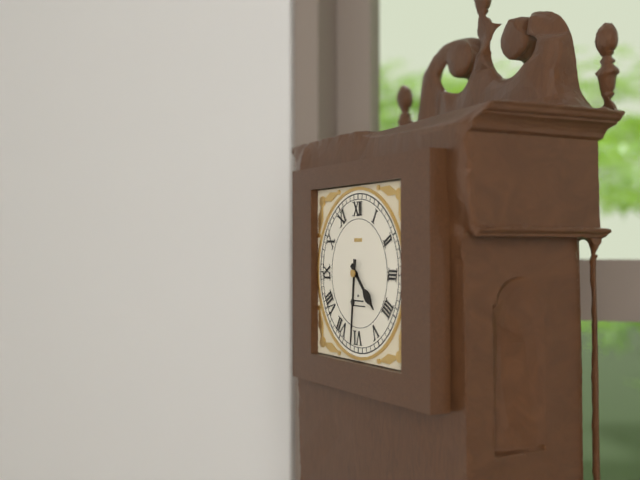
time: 4:31
